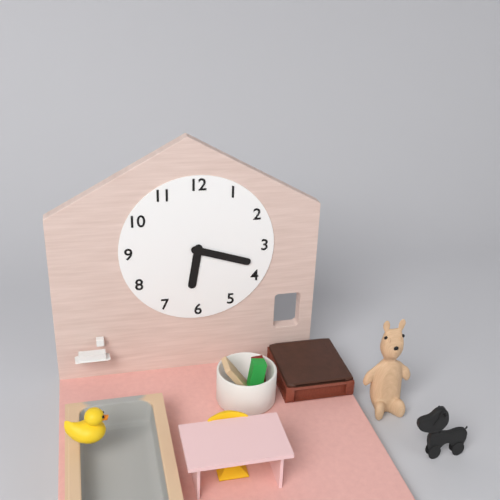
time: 6:18
